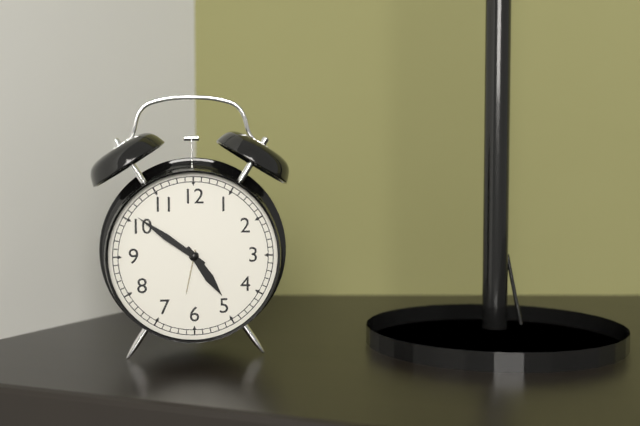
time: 4:51
